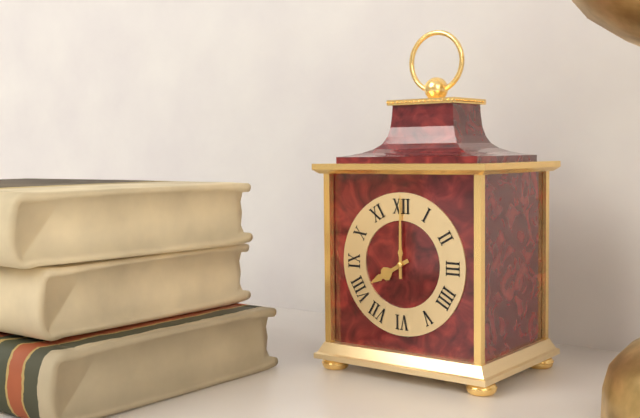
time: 8:00
